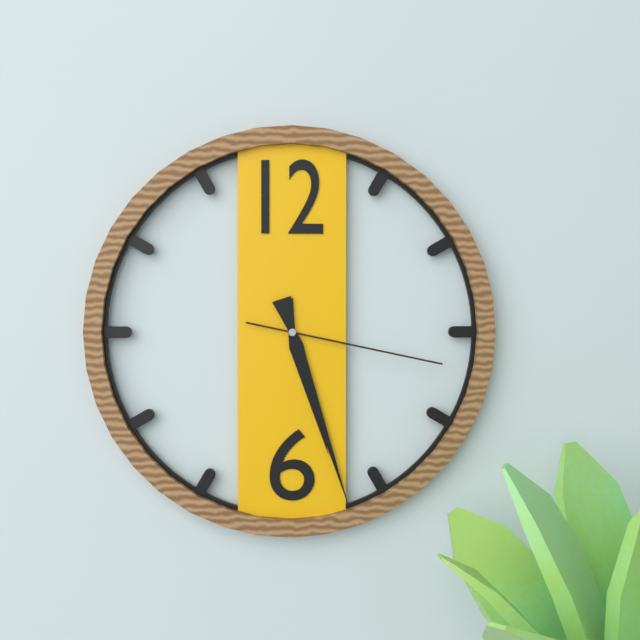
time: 5:27:17
